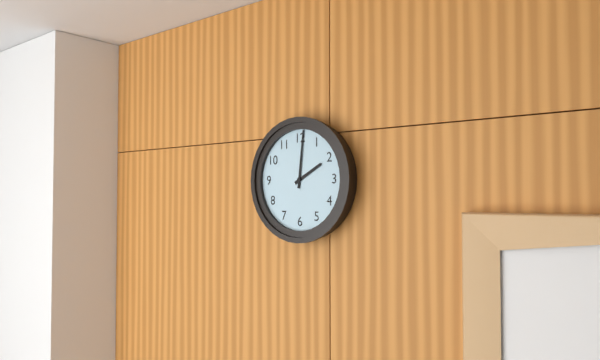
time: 2:01
